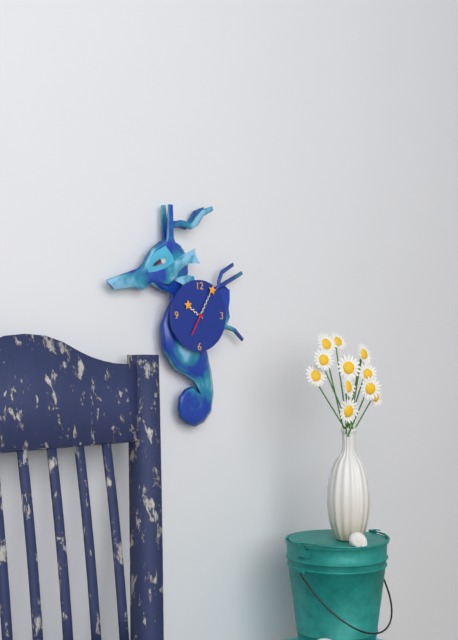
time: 10:05
